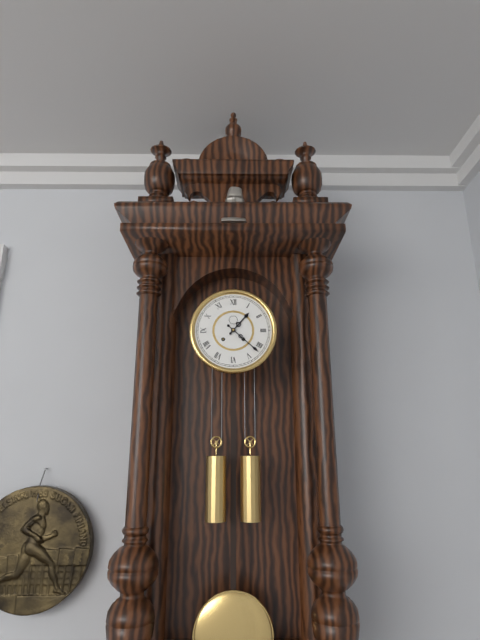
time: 1:22
